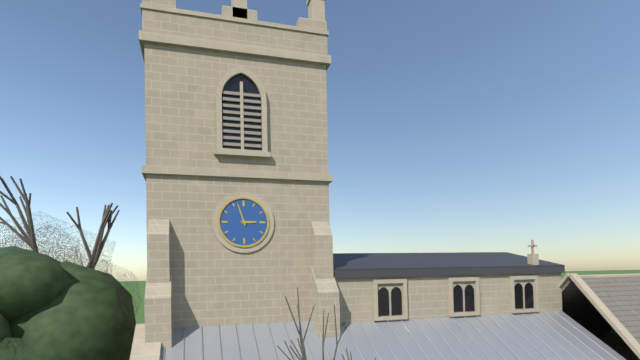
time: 2:57
